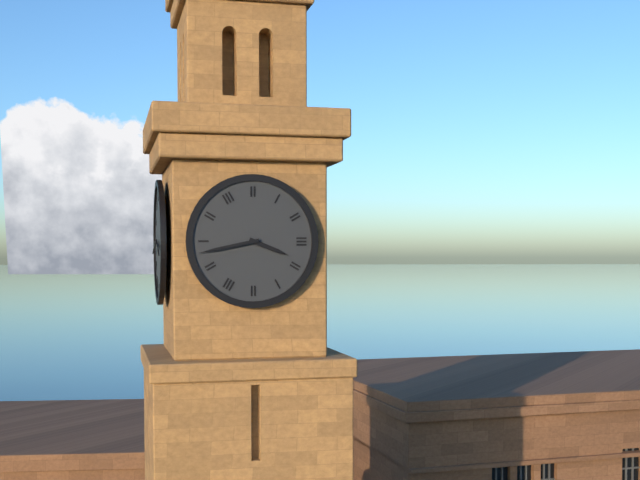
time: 3:43
